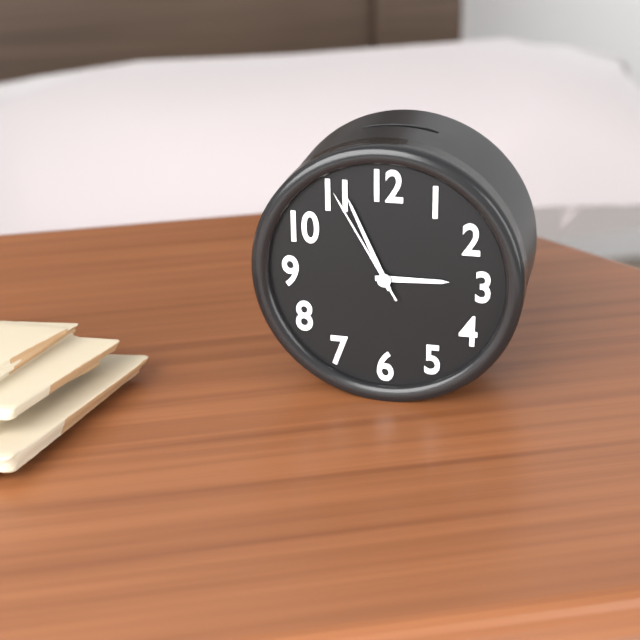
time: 2:56:55
